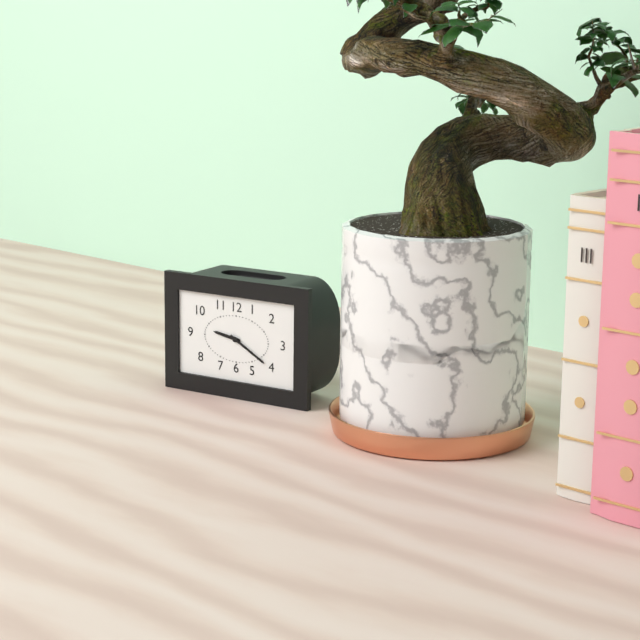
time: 9:20
